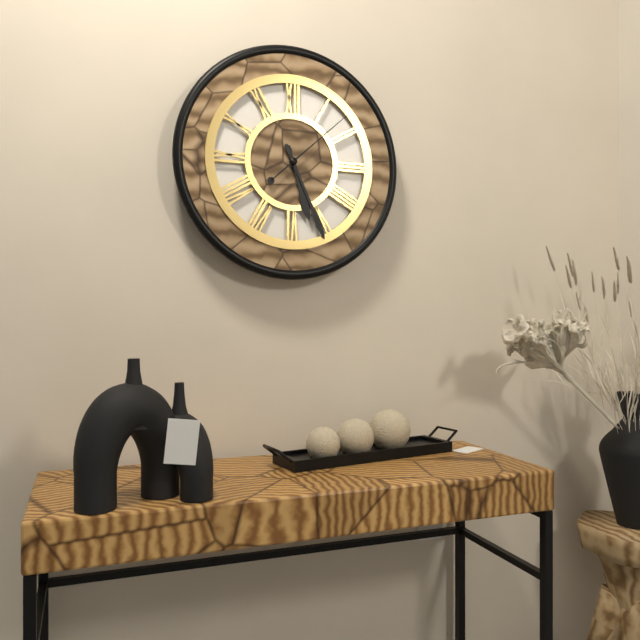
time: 5:26:08
